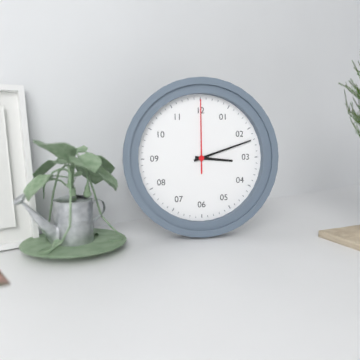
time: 3:12:00
